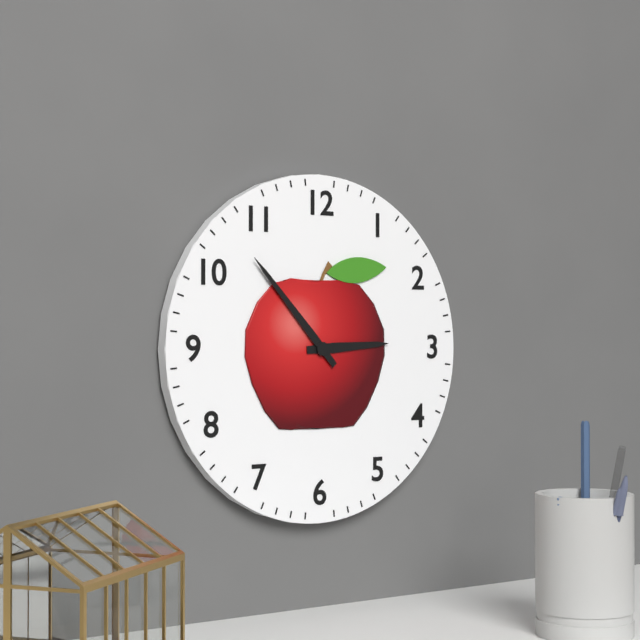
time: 2:53
